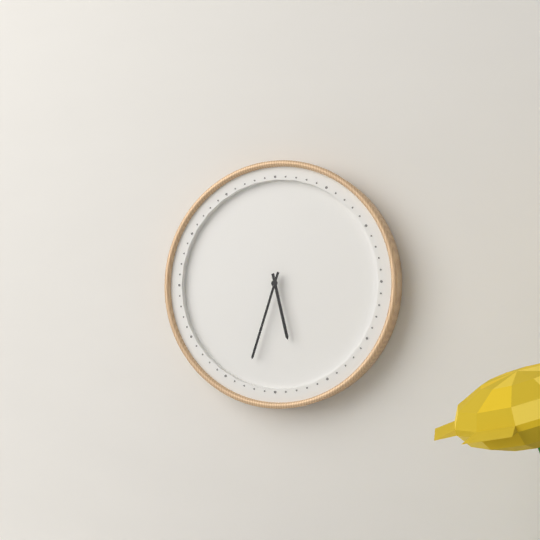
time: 5:33
